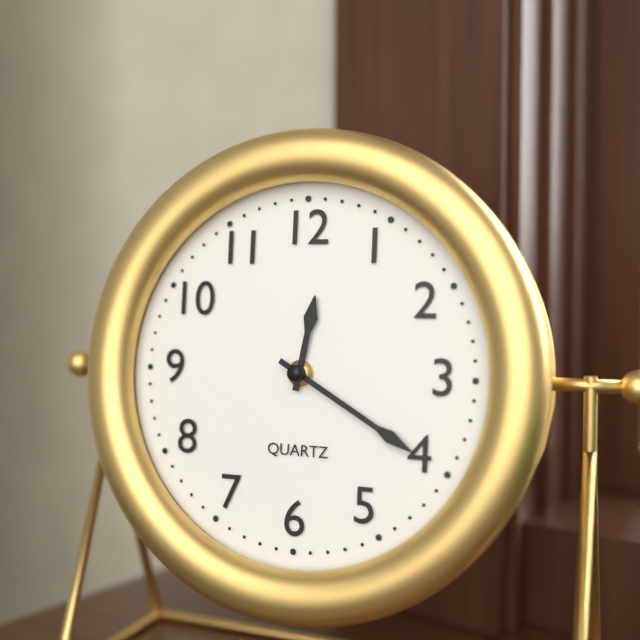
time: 12:20
